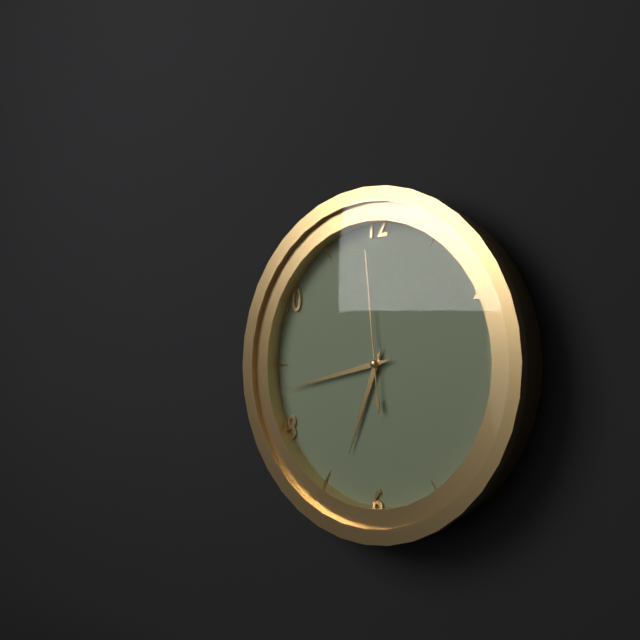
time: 6:43:59
